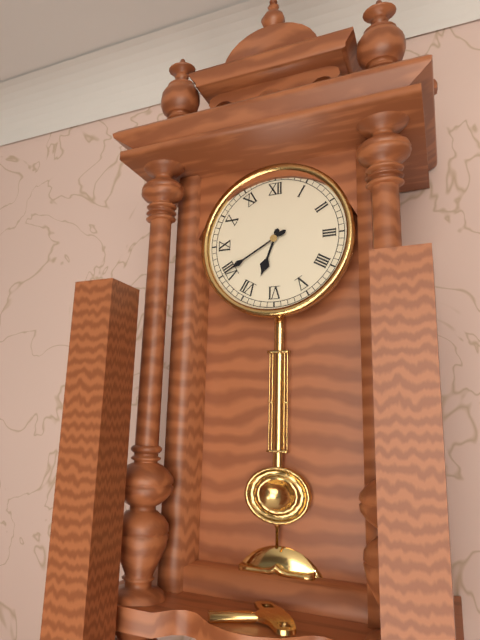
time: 6:40
